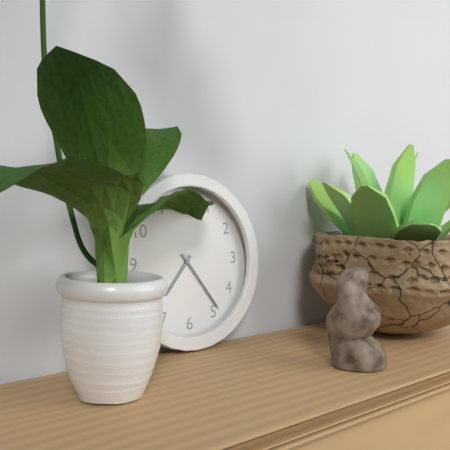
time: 7:24
